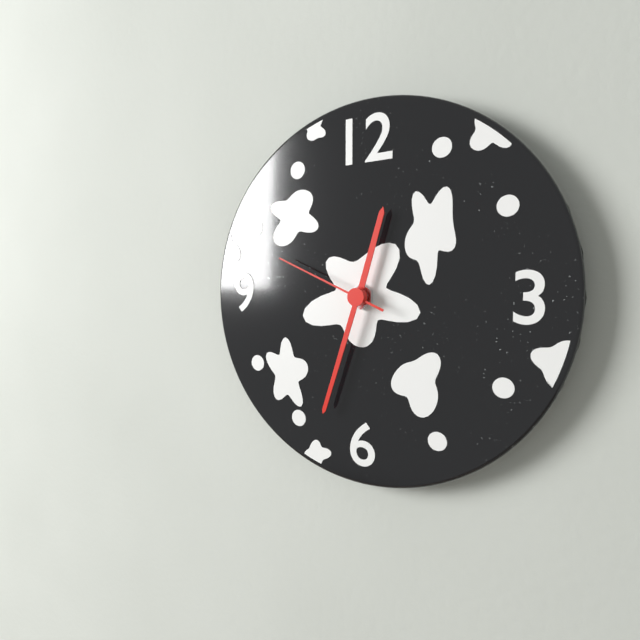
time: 12:33:49
